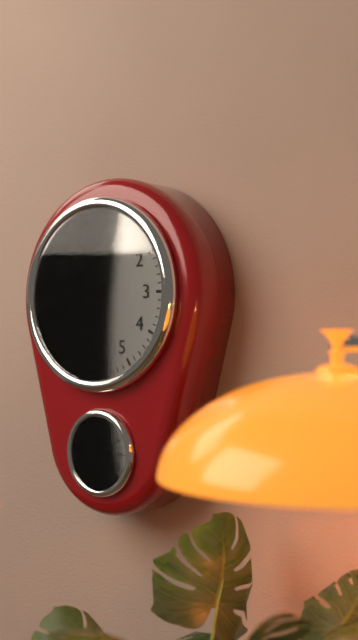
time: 8:58:39
